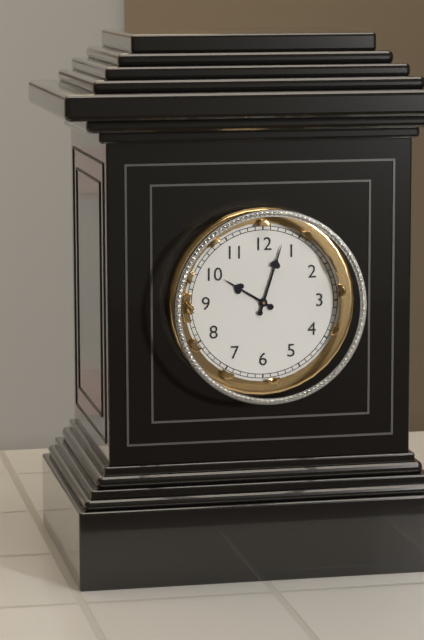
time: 10:03
